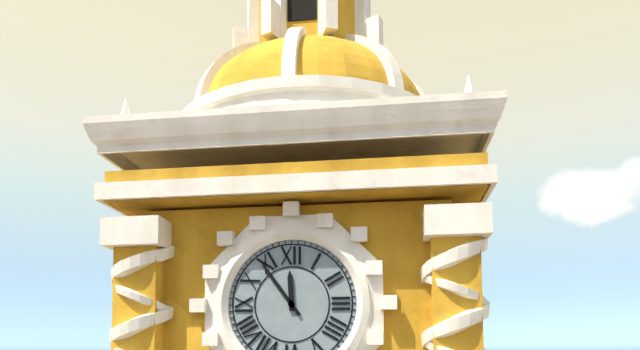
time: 11:54
